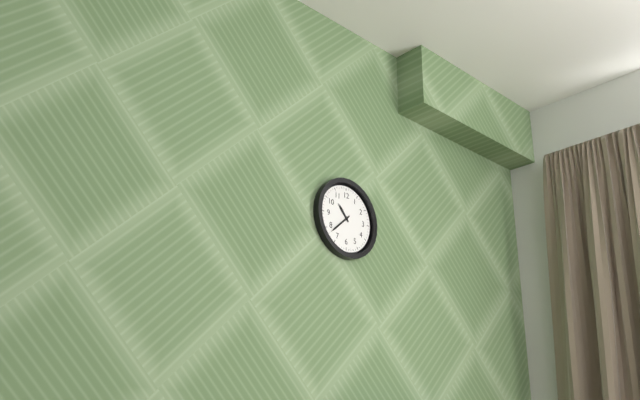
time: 10:38
